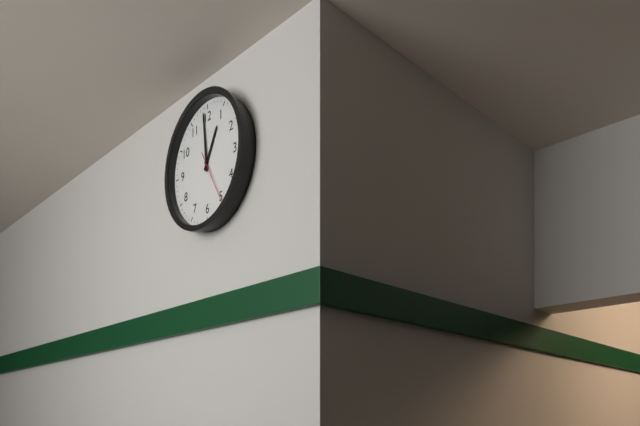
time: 12:59:25
